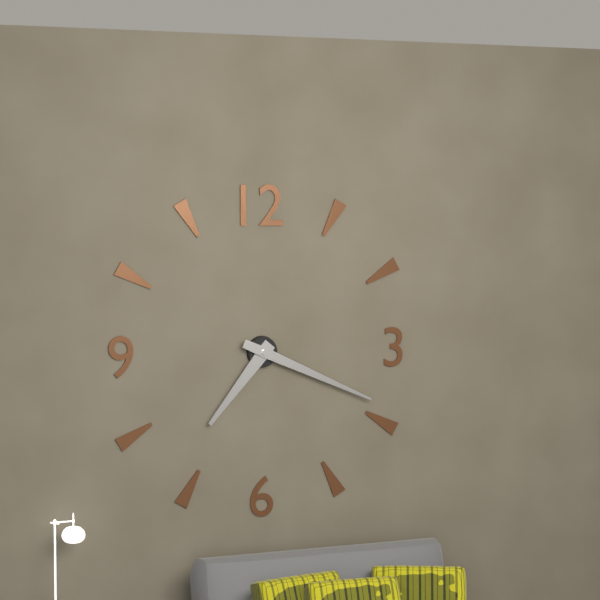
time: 7:19
